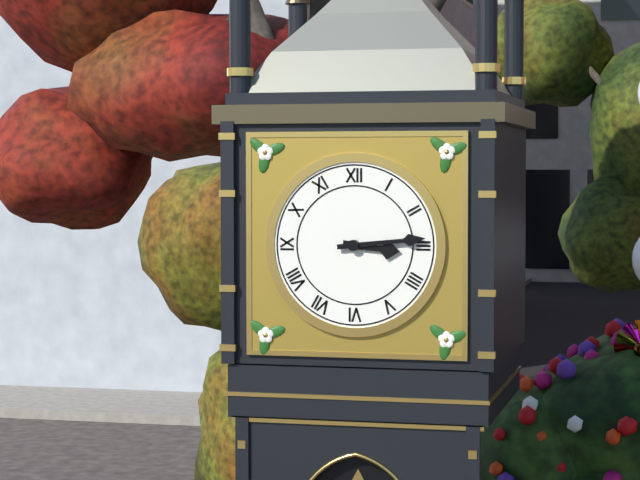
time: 3:14
